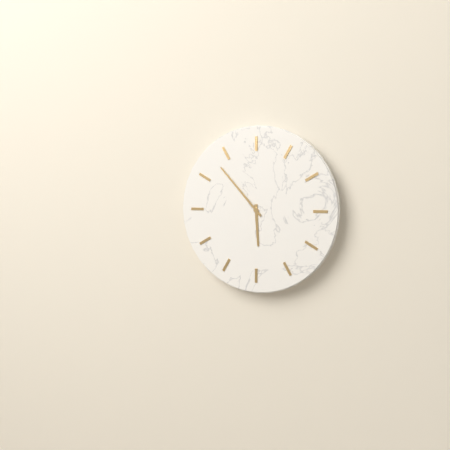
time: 5:53
